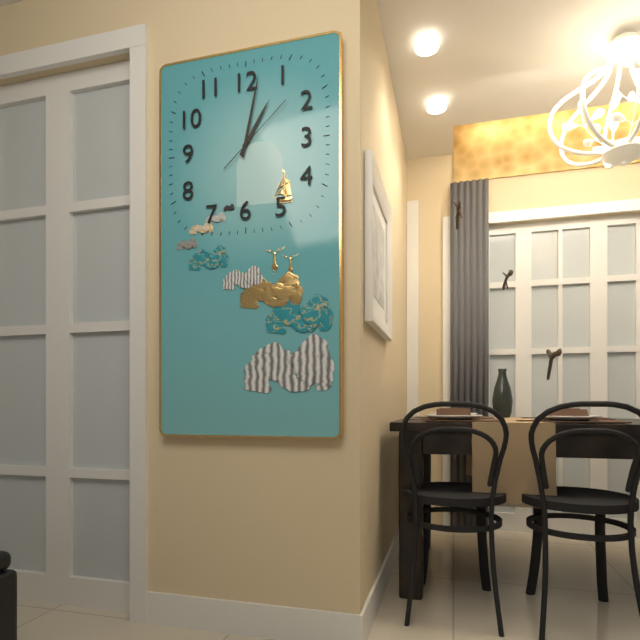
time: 1:02:08
